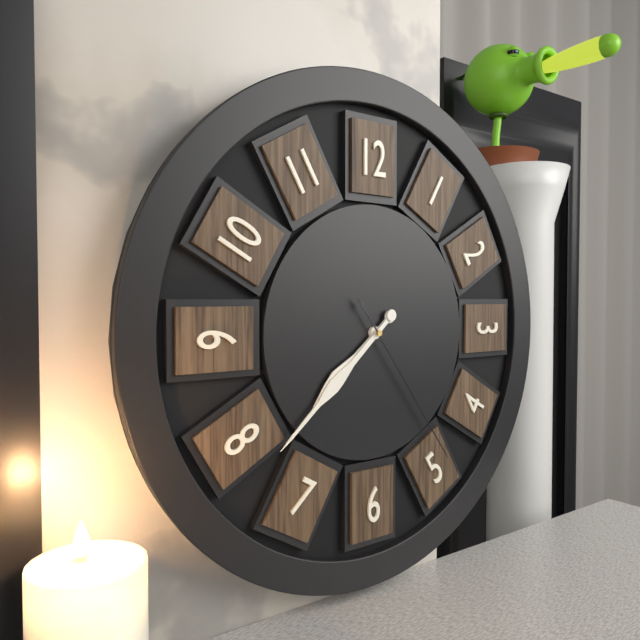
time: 7:38:24
